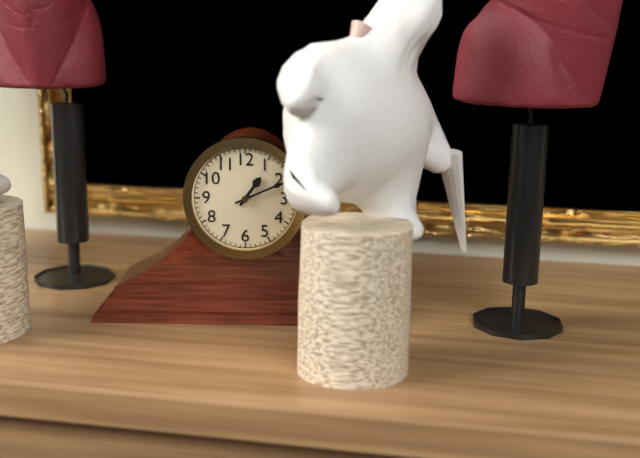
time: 1:11
